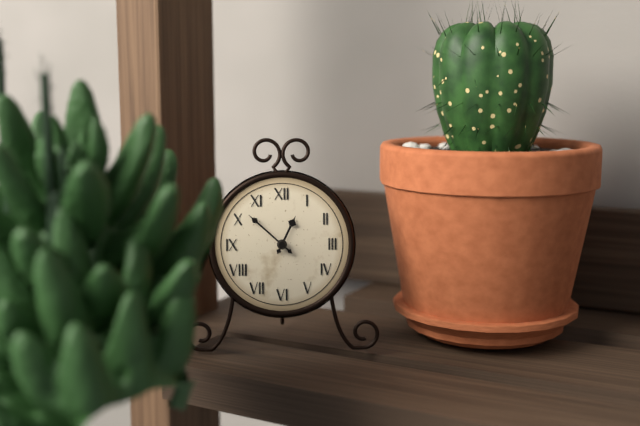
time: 12:52
